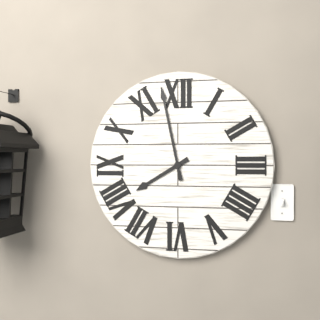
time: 7:58
